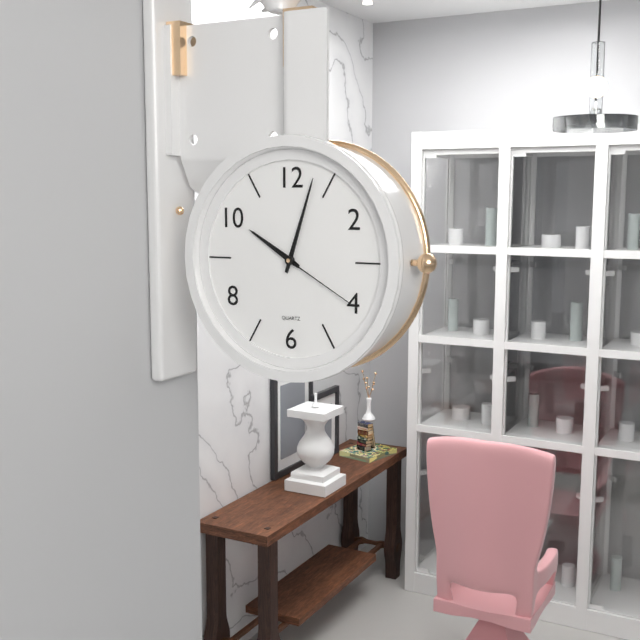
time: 10:03:20
